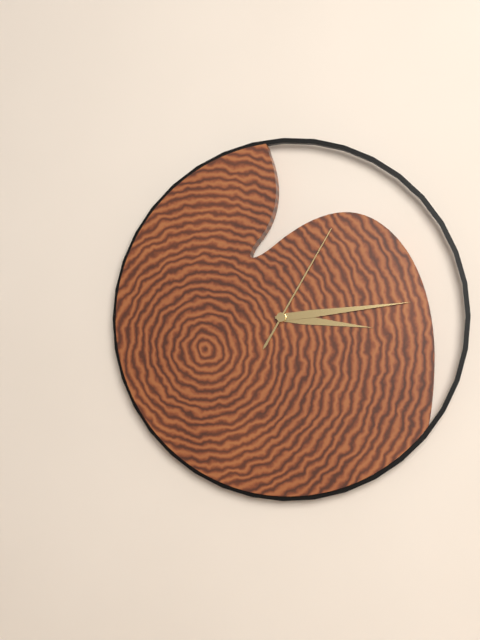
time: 3:14:05
